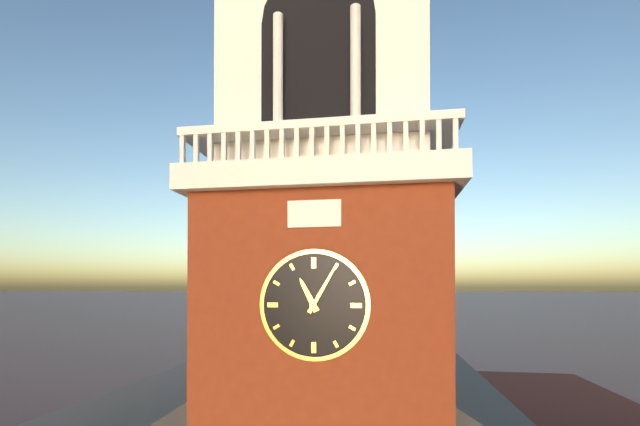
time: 11:05
